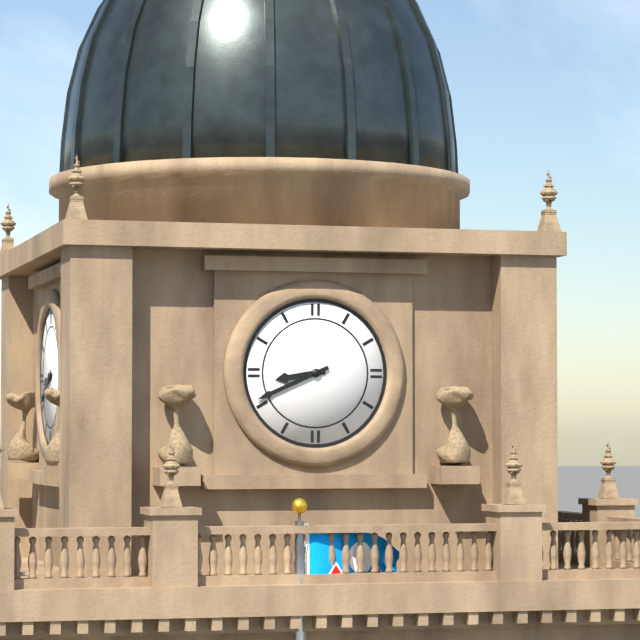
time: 8:41
